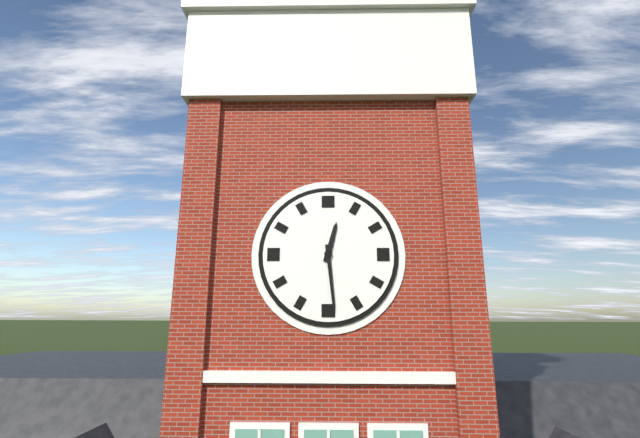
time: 12:29
